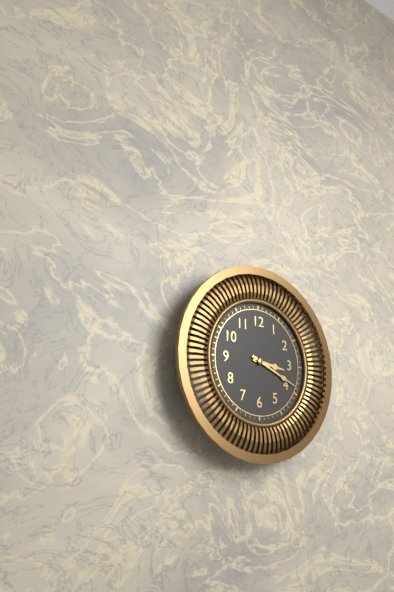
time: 3:19
